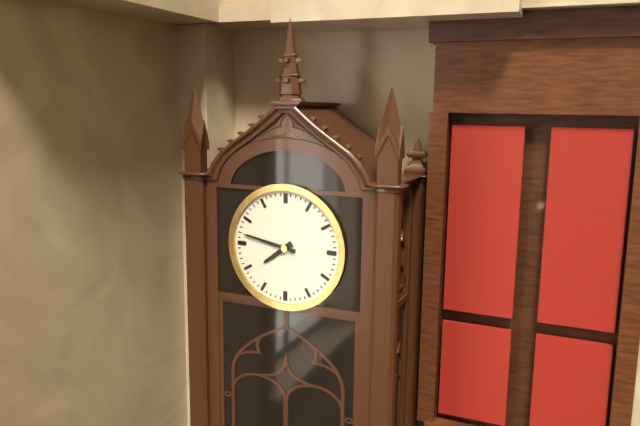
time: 7:47
